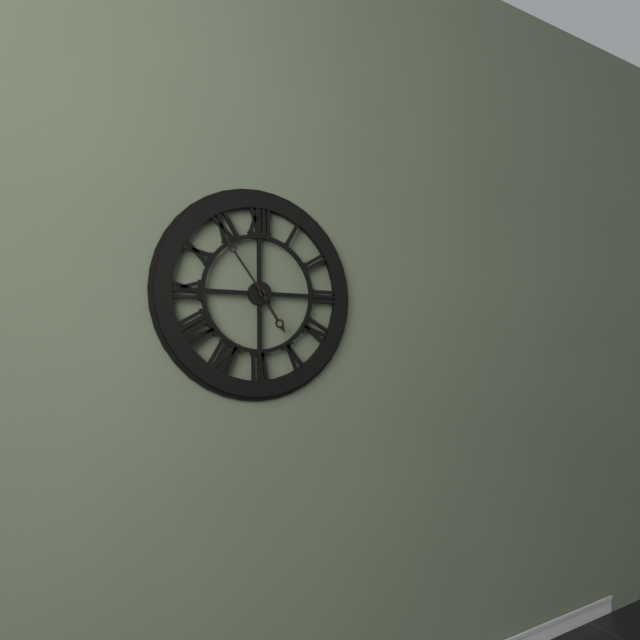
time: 4:54
